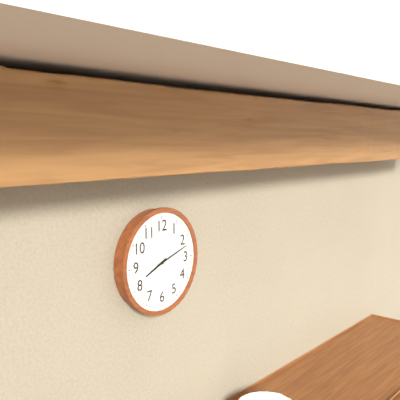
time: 8:12
